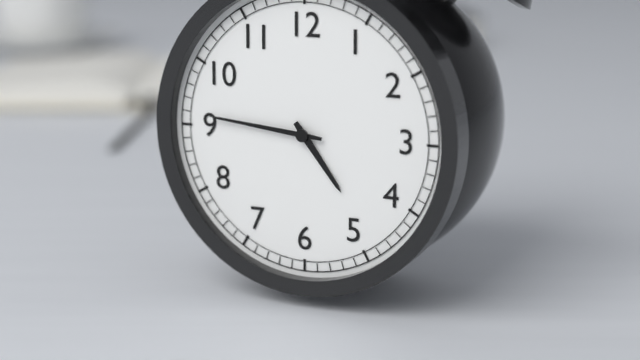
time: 4:46
